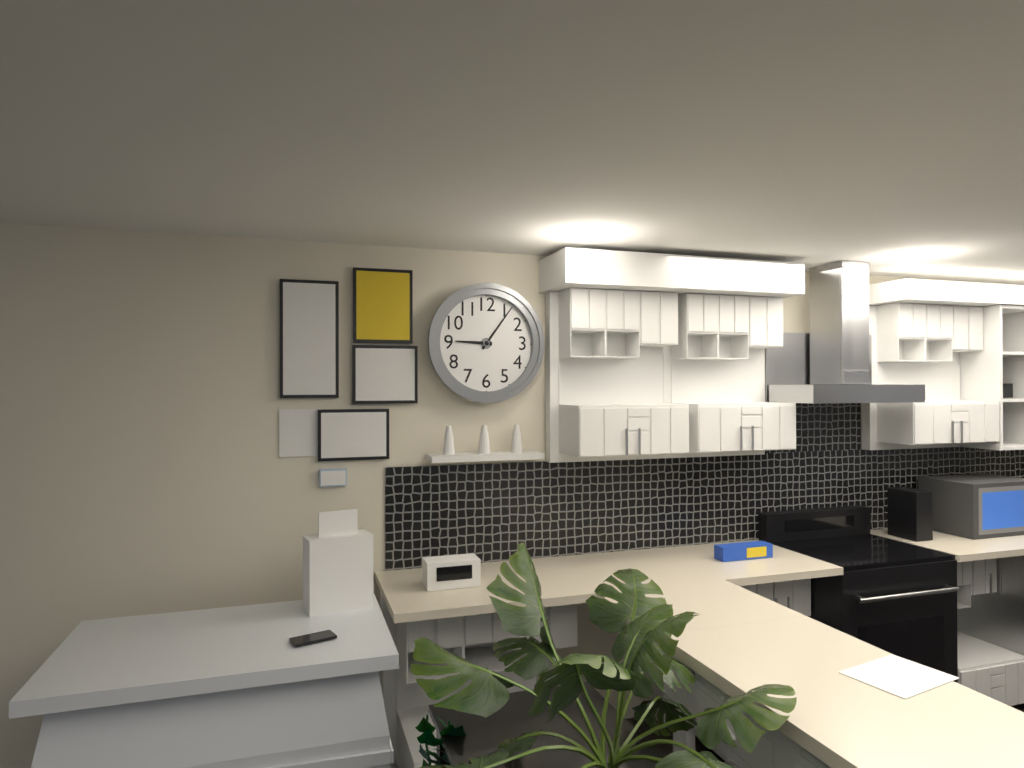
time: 9:06
